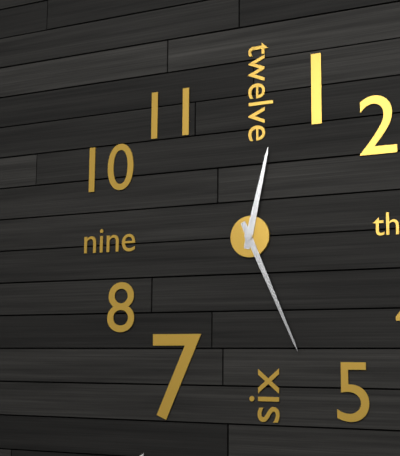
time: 12:26
